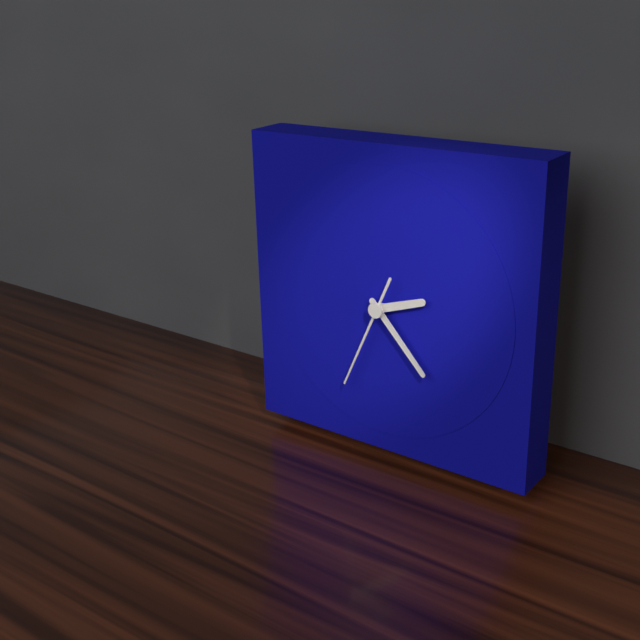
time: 2:23:34
